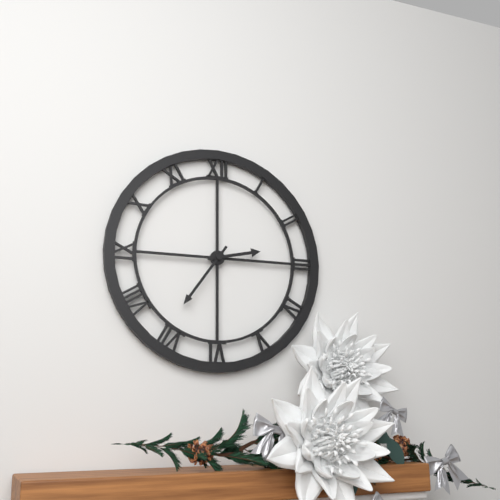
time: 2:36
